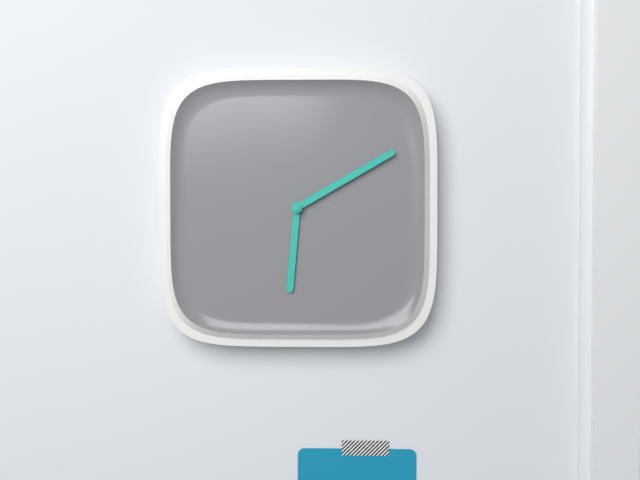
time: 6:10
